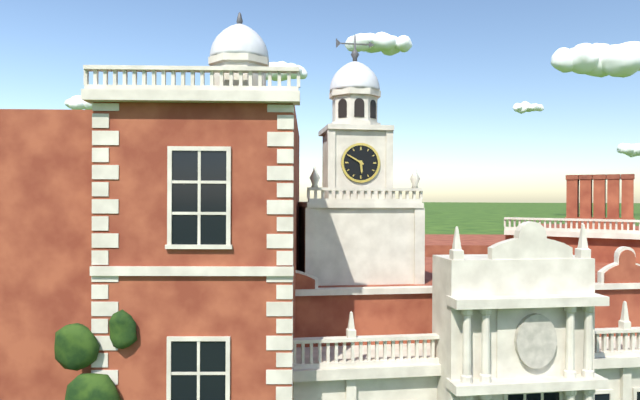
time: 5:50
